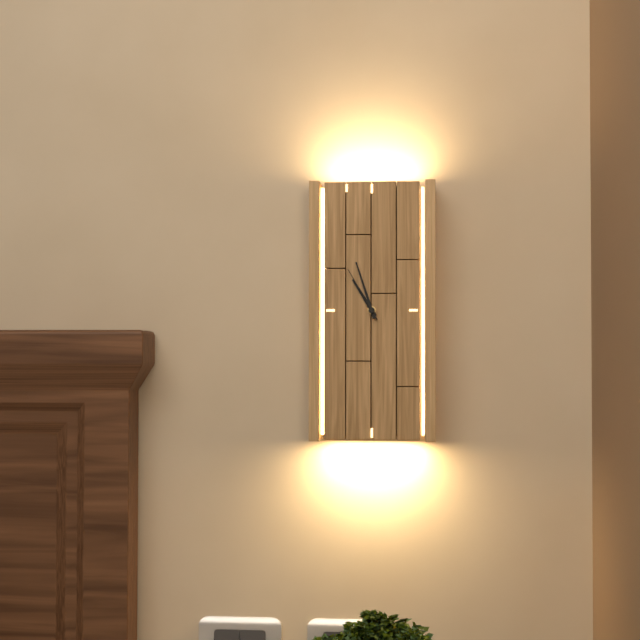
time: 10:57:55
